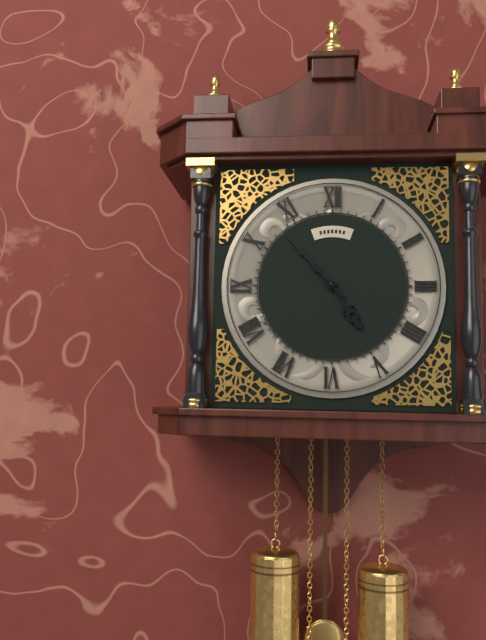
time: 4:53
